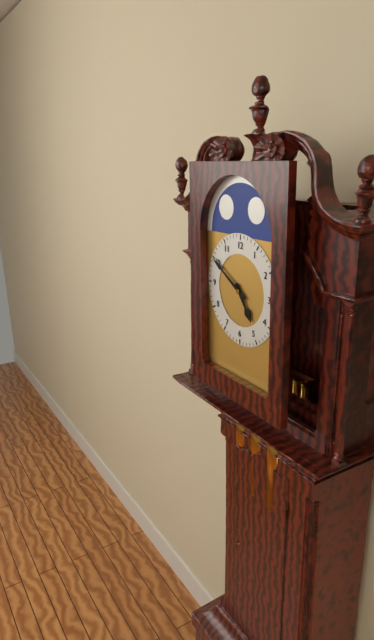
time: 4:50
